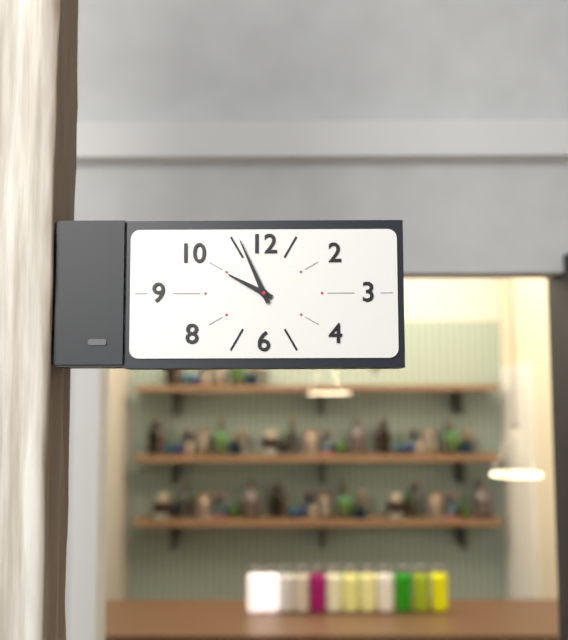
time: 9:56
